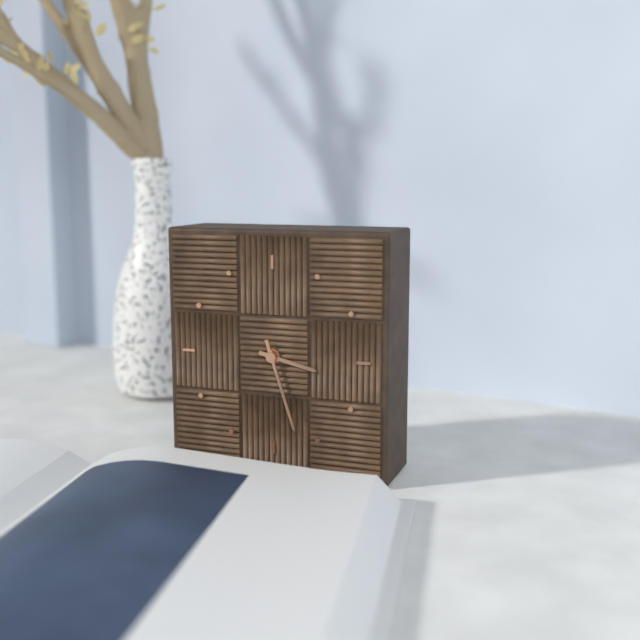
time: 3:27
